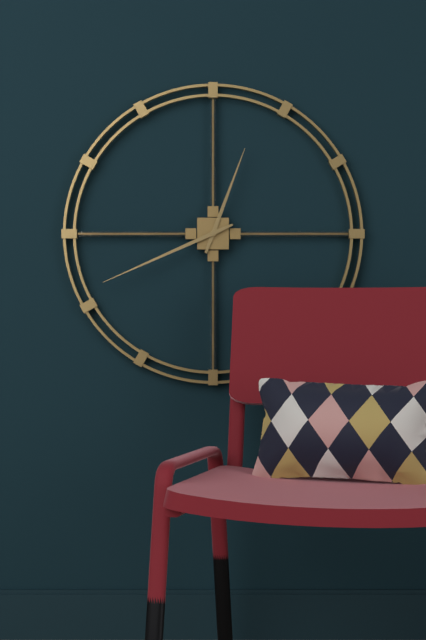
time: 12:41
